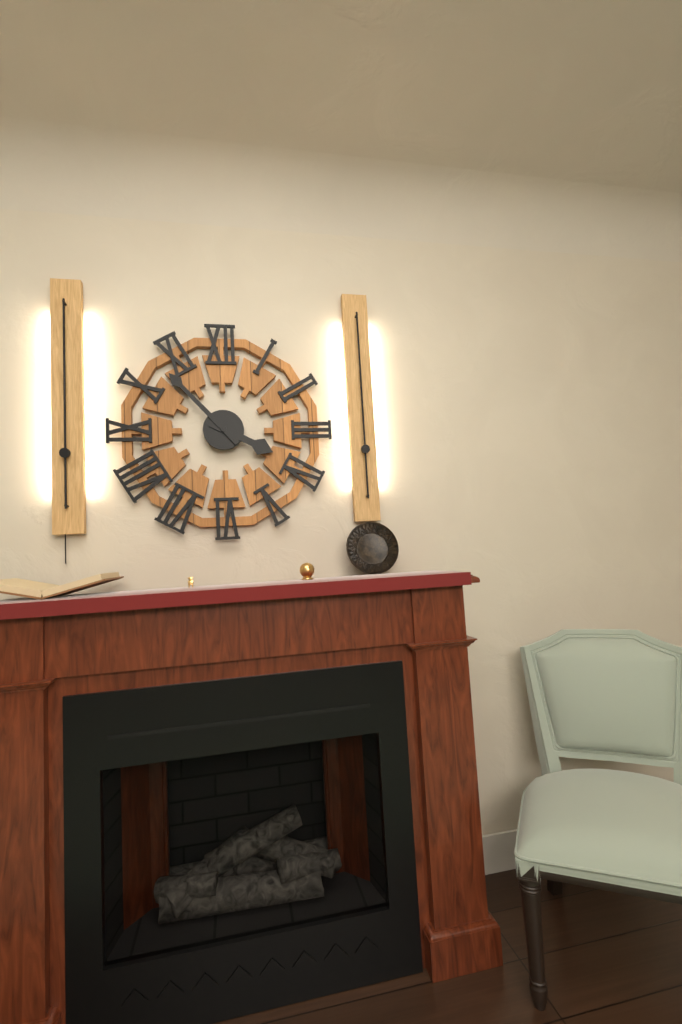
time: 3:53
